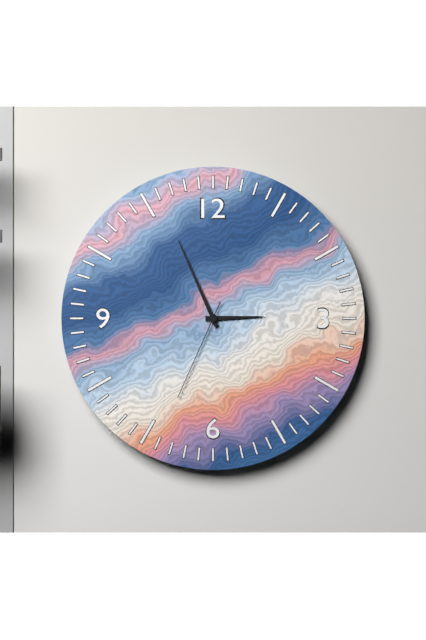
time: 2:56:34
